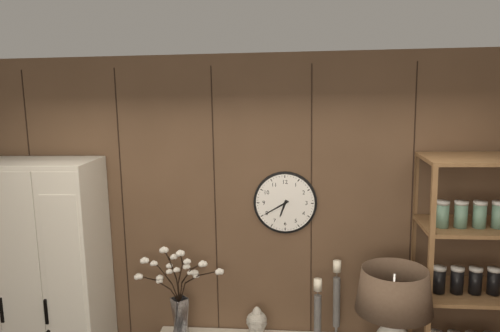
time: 6:40
